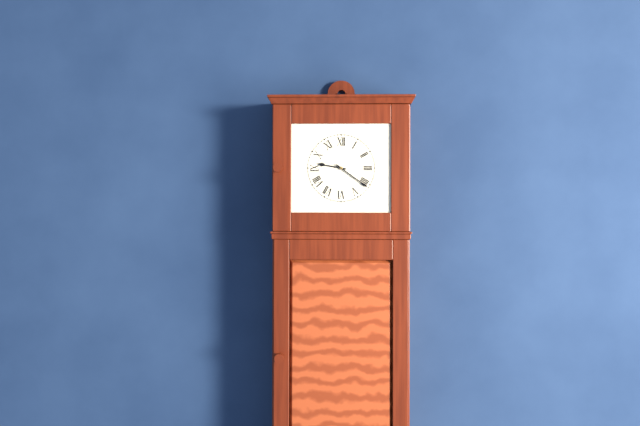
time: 9:21
